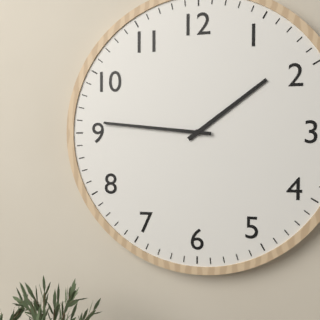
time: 1:46
